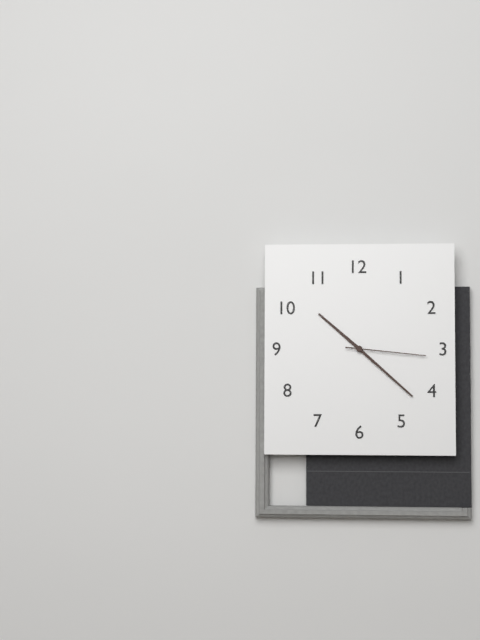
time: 10:22:16
